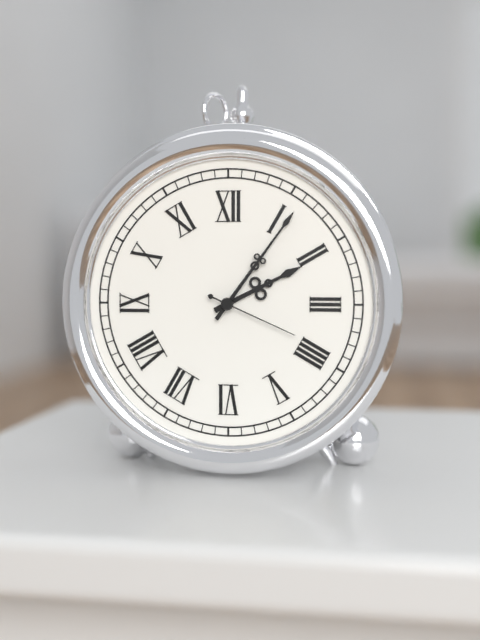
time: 2:06:19
